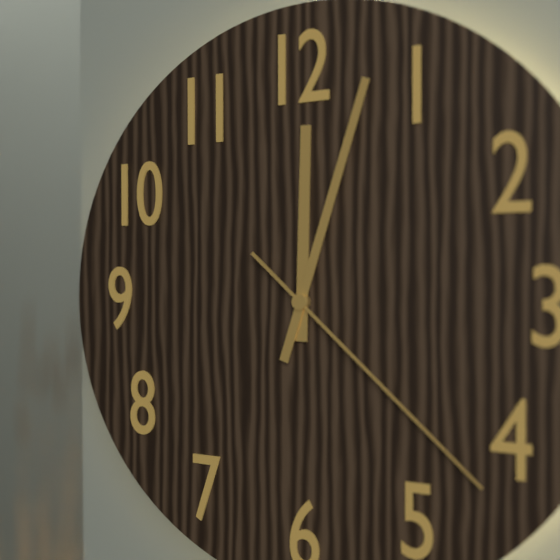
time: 12:03:22
